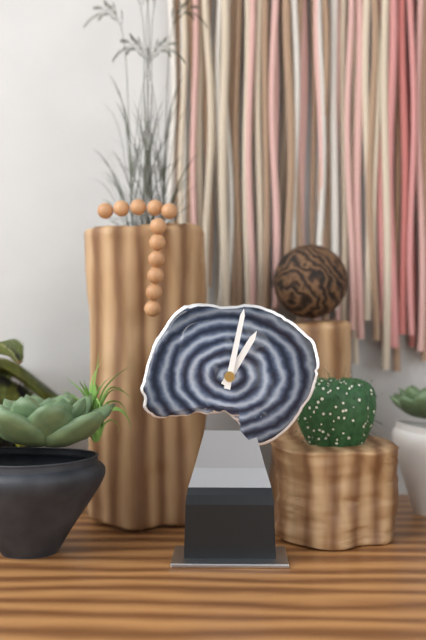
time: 1:02
